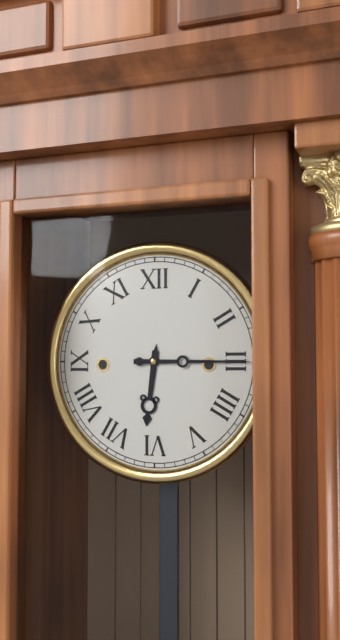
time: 6:15
